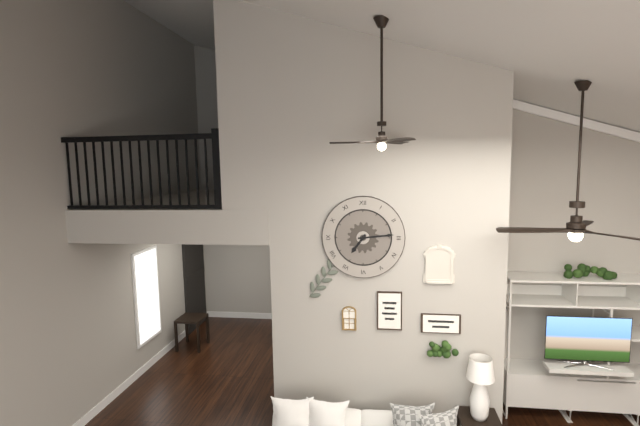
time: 7:14
